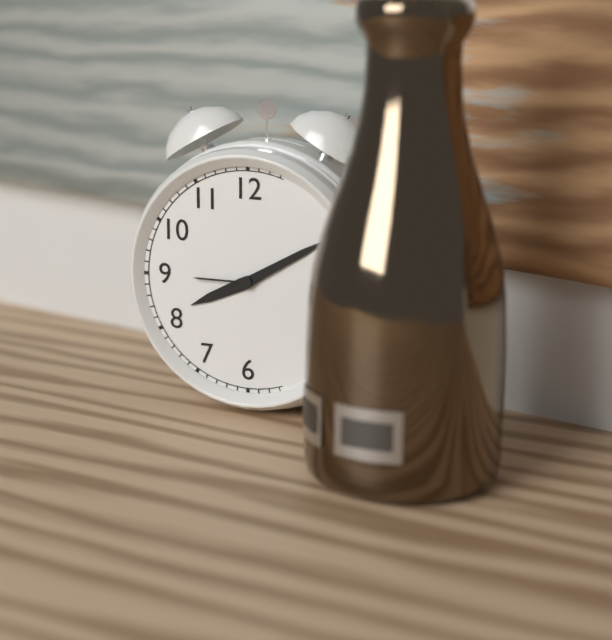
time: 8:10
